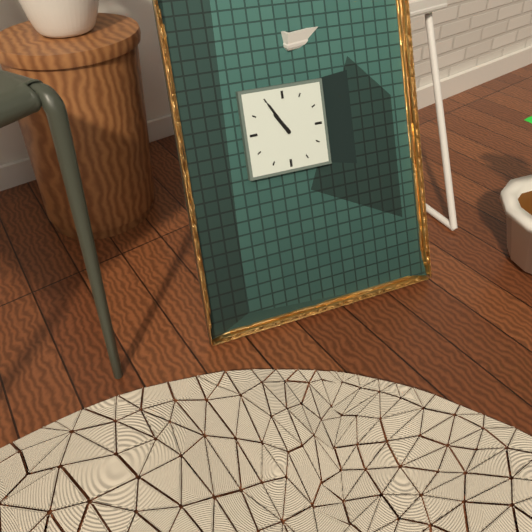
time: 10:55
